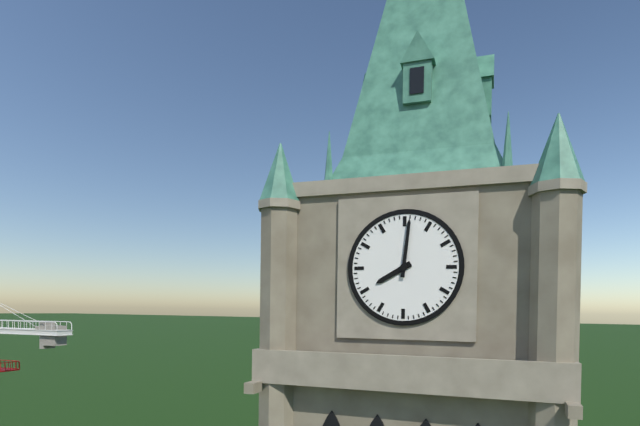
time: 8:01
